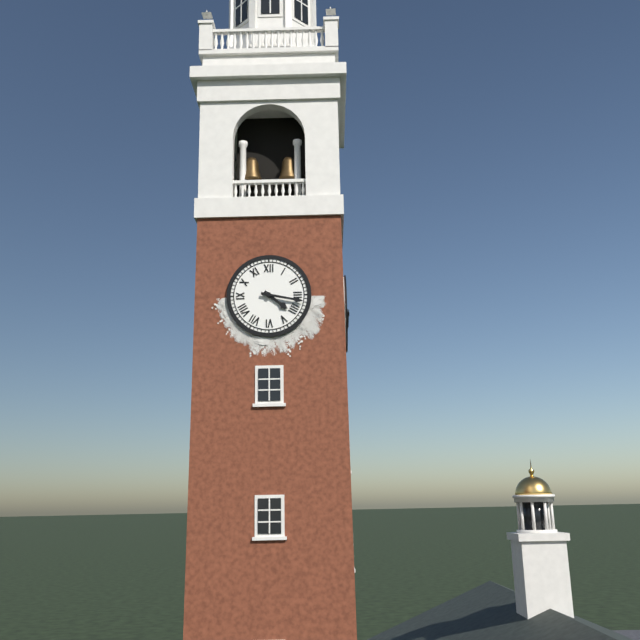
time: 4:17
